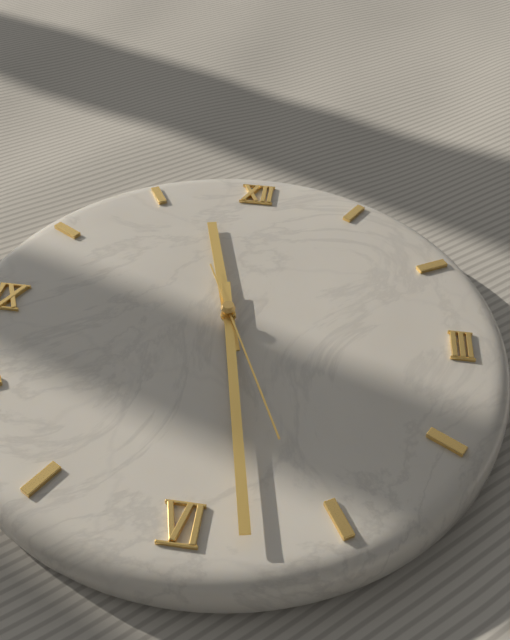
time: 11:28:26
